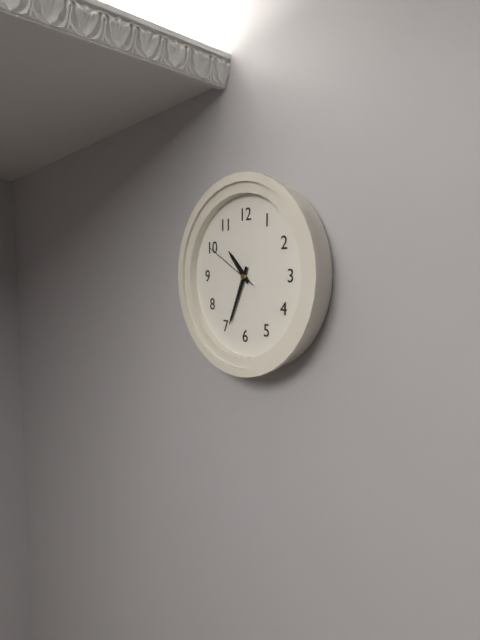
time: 10:34:50
